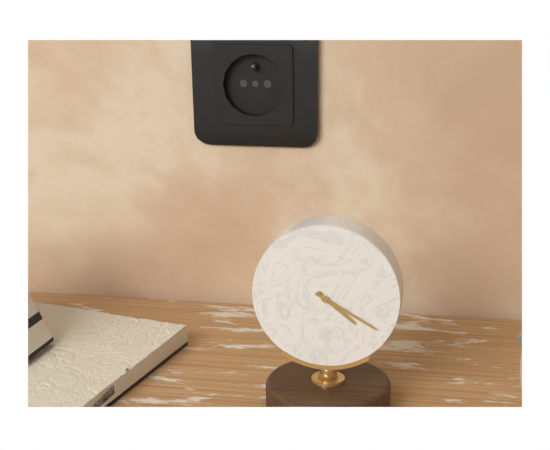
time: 4:20
